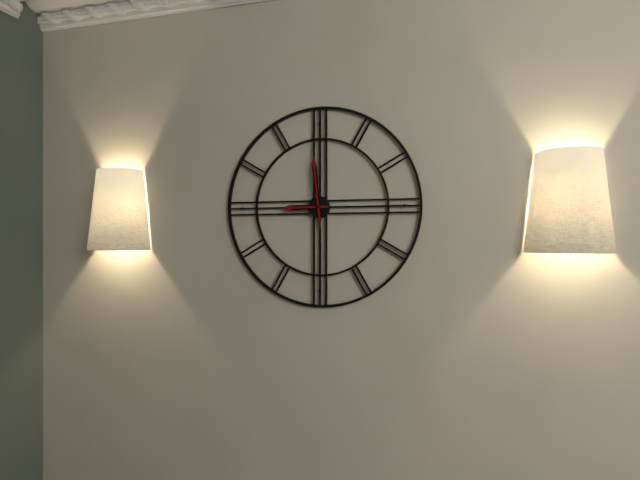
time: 8:59
